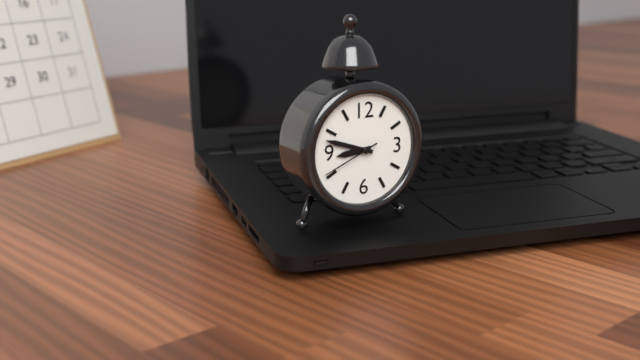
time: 8:48
